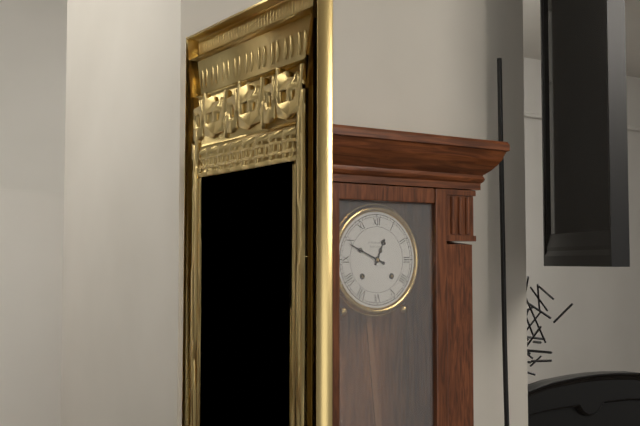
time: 12:49
